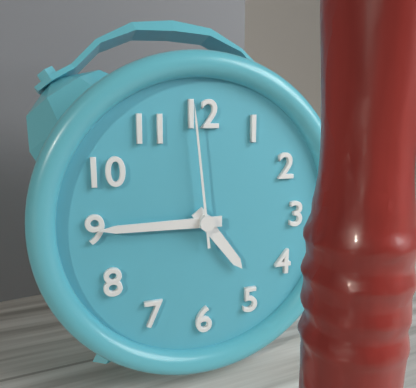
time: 4:45:59
